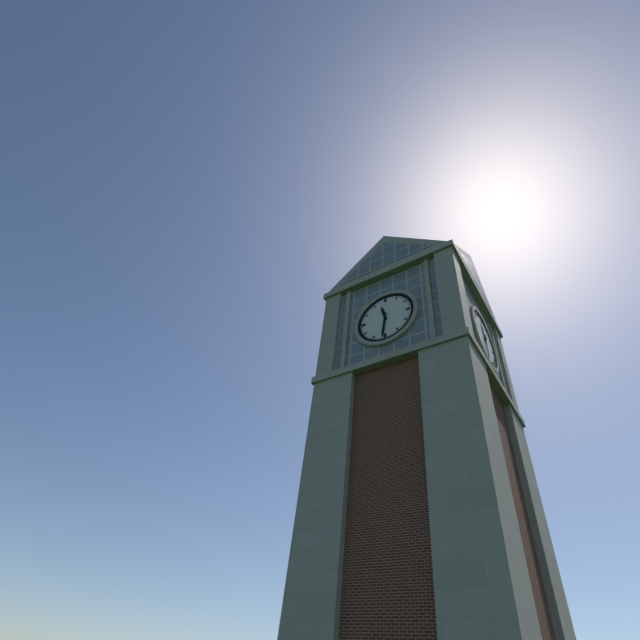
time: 11:31
